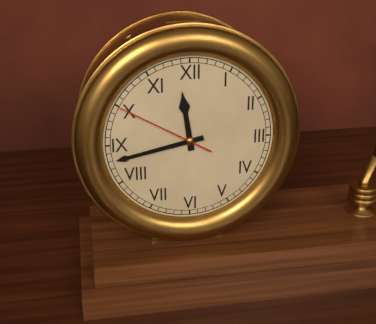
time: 11:43:50
